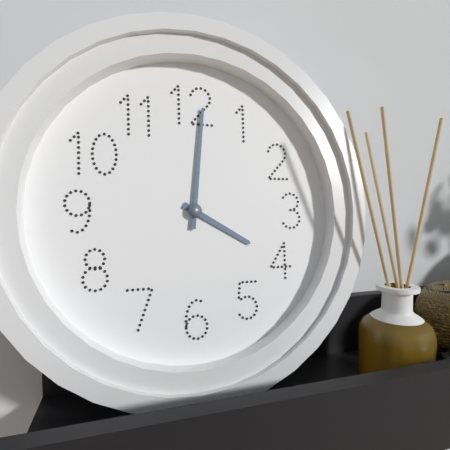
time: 4:01
